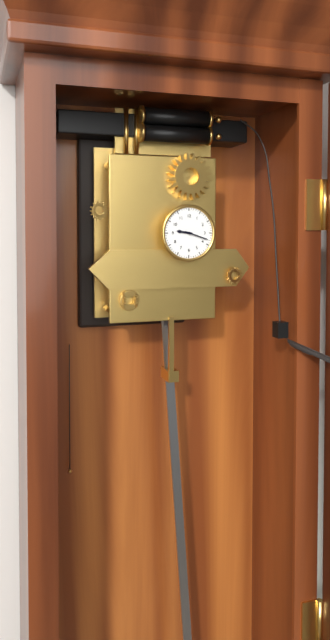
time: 9:18
